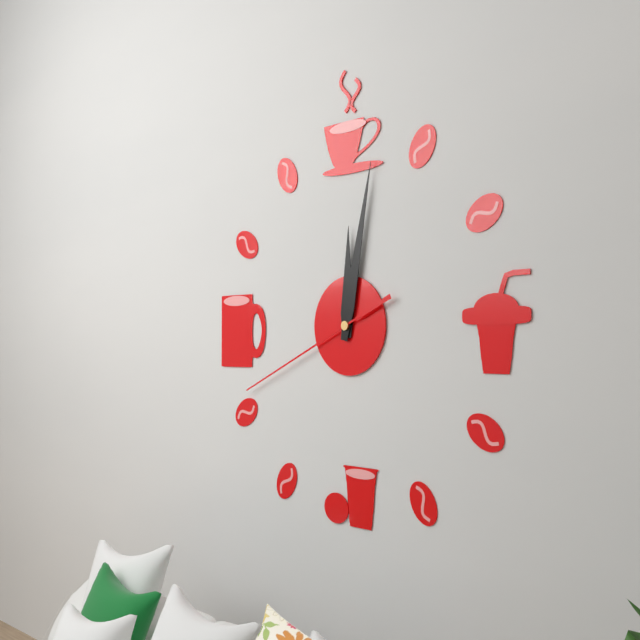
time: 12:02:41
